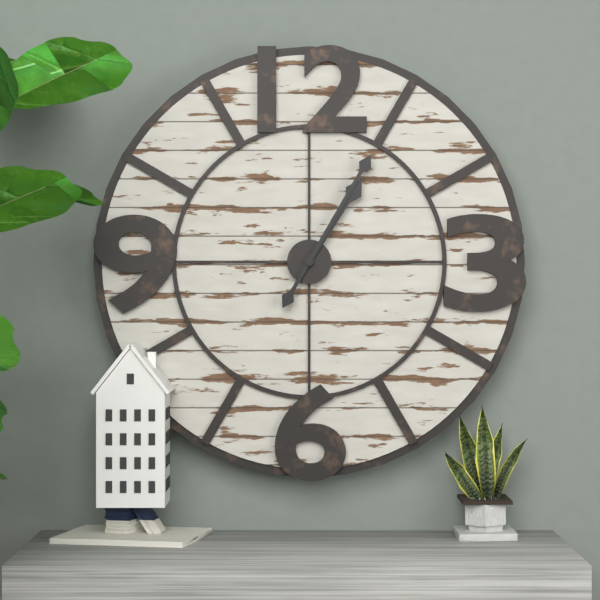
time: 1:05
